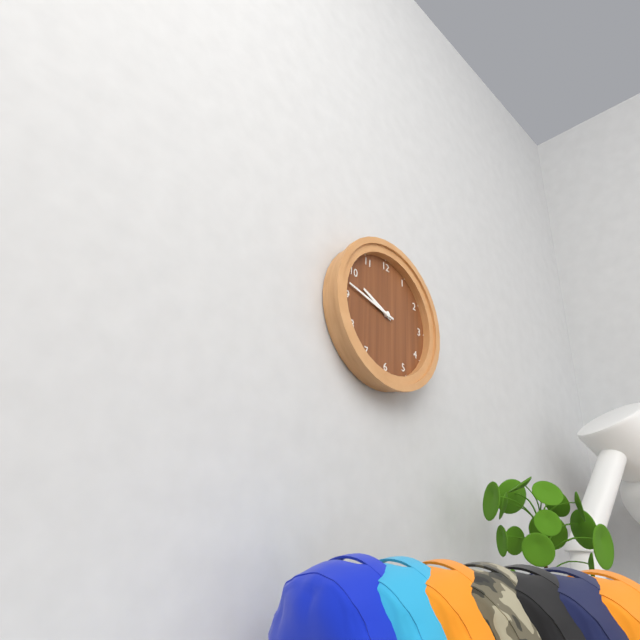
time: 9:47
